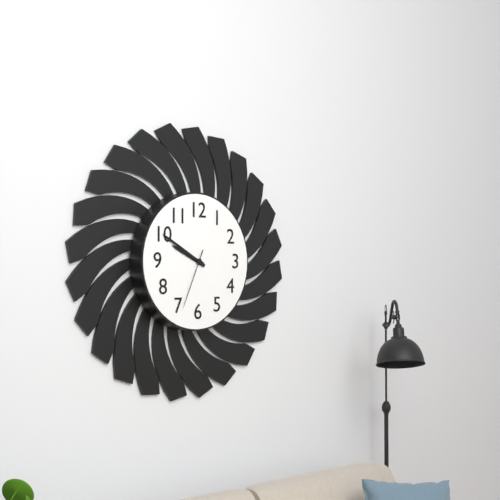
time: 9:50:34
